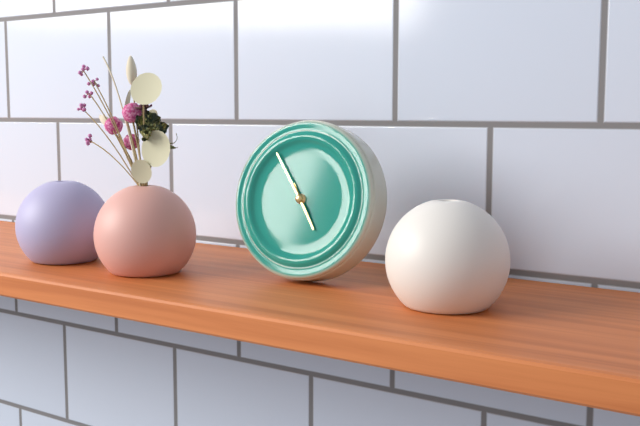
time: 4:54
